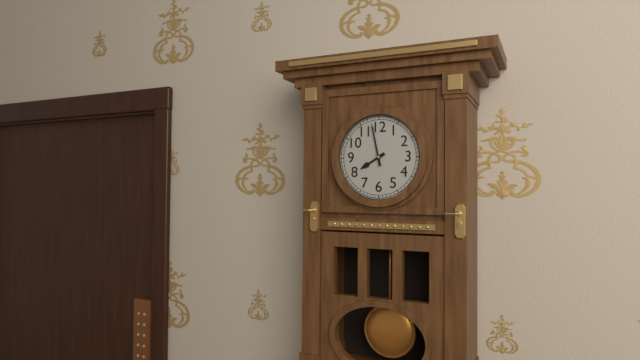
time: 7:58
